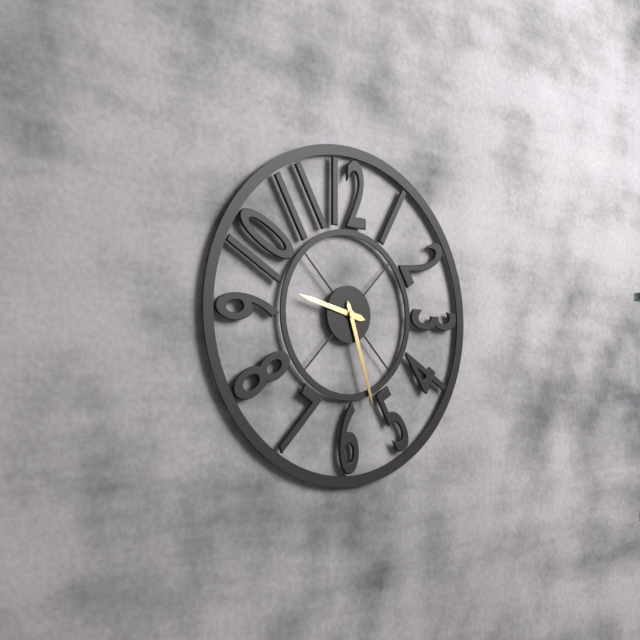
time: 9:27
